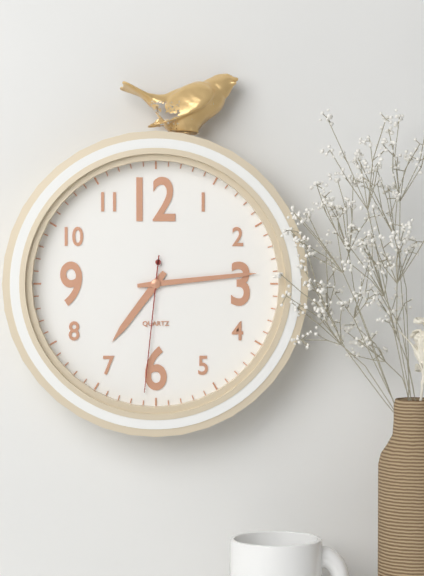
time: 7:14:31
